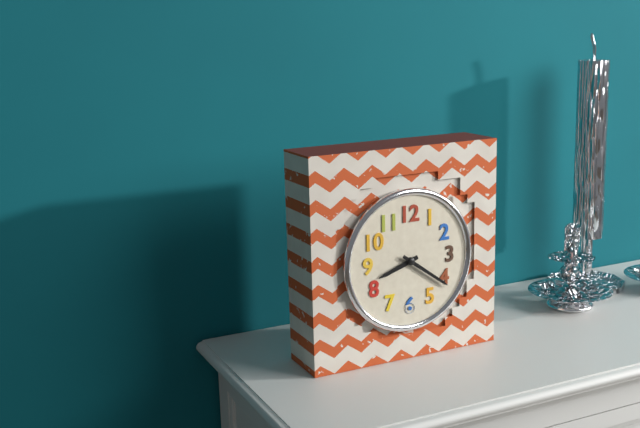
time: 8:21
